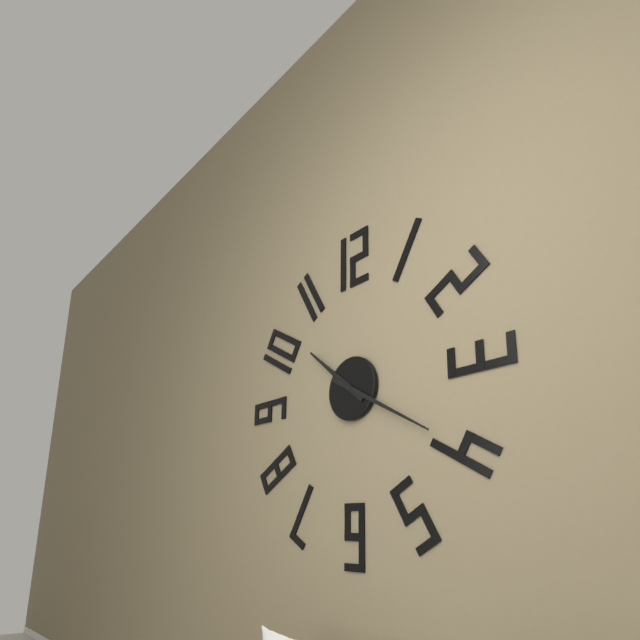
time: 10:20
